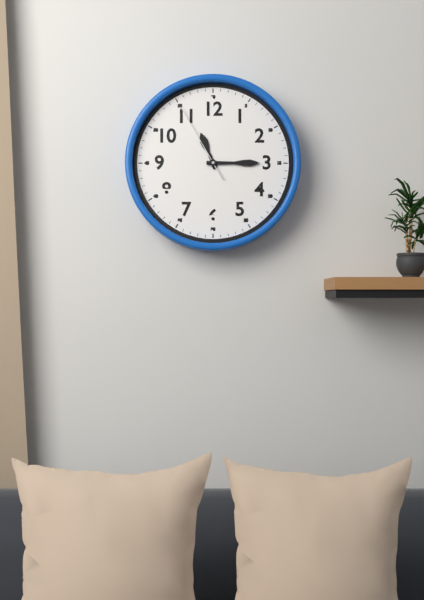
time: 11:15:55
